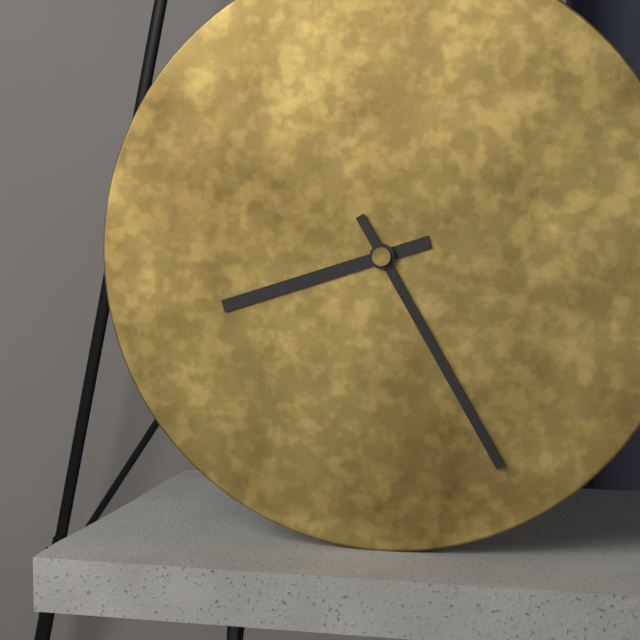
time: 8:25
